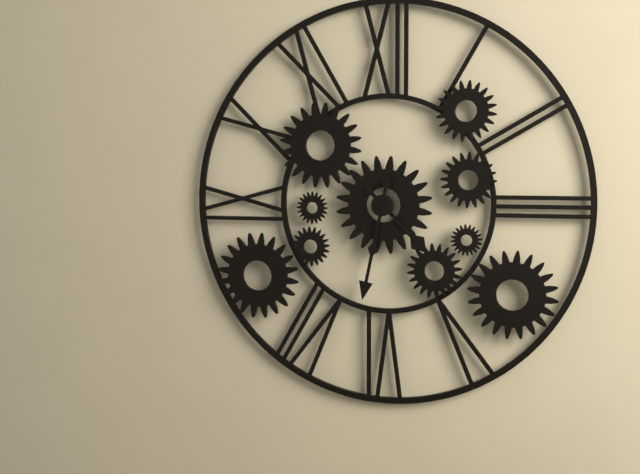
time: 4:32
